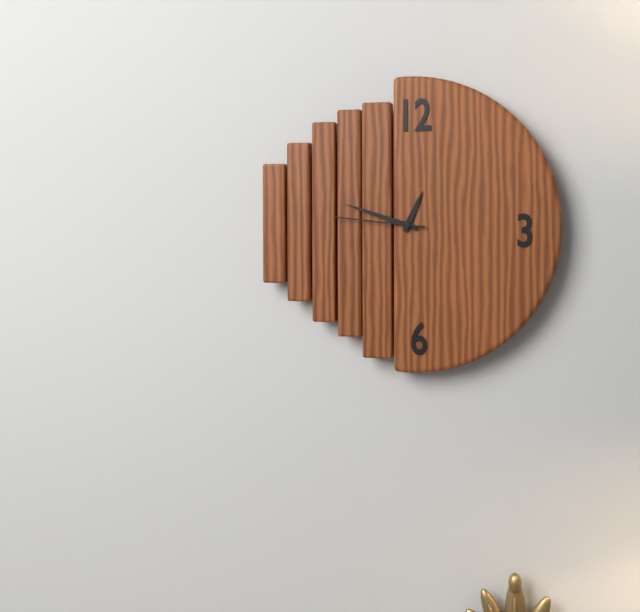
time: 12:48:46
